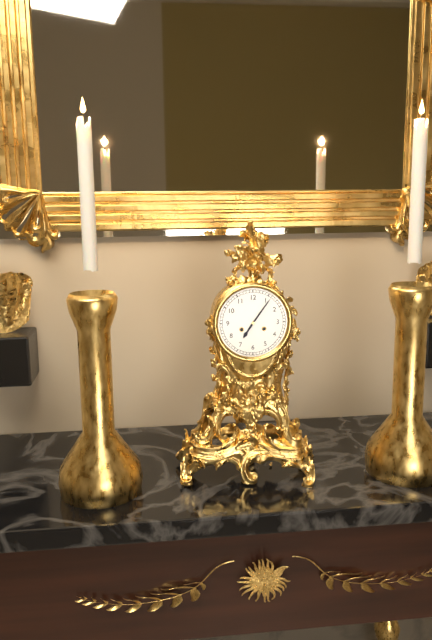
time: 7:06
